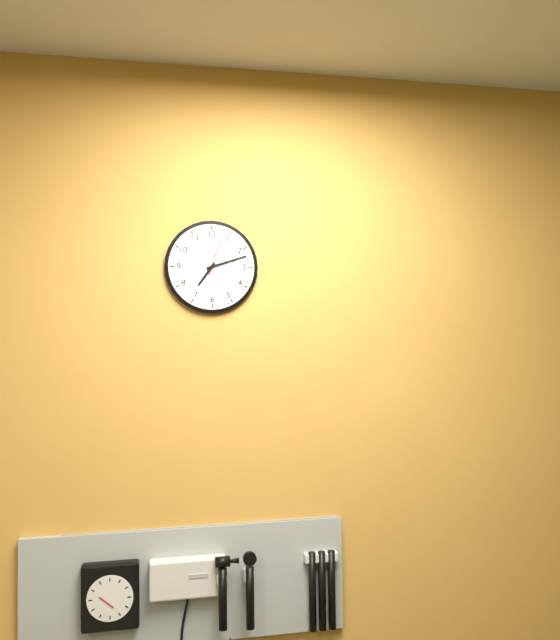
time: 7:12
